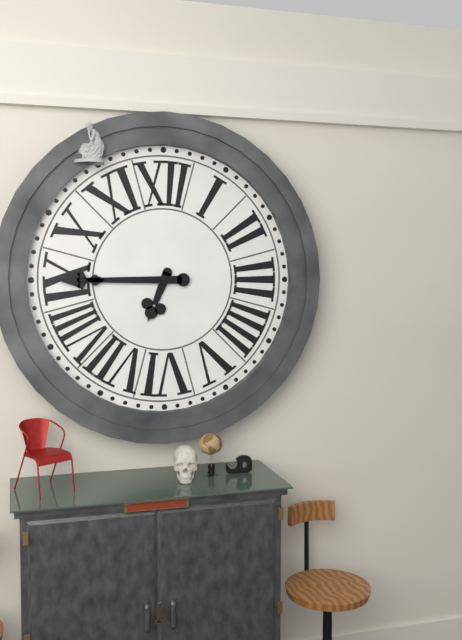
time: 6:45
